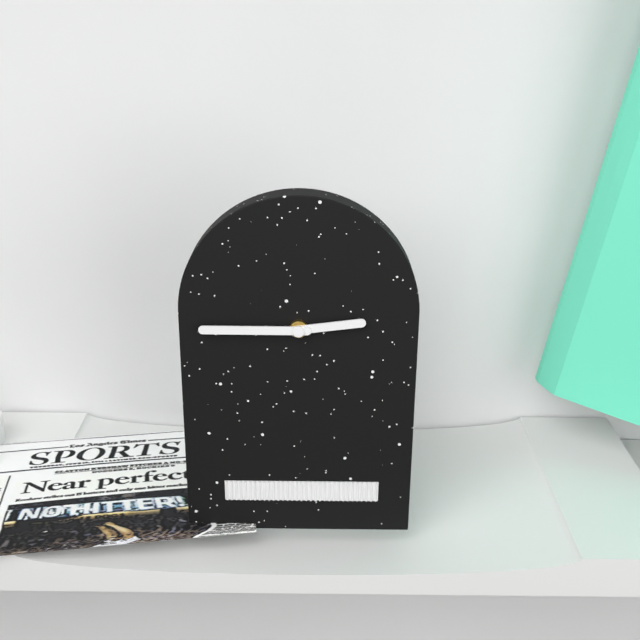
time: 2:45
